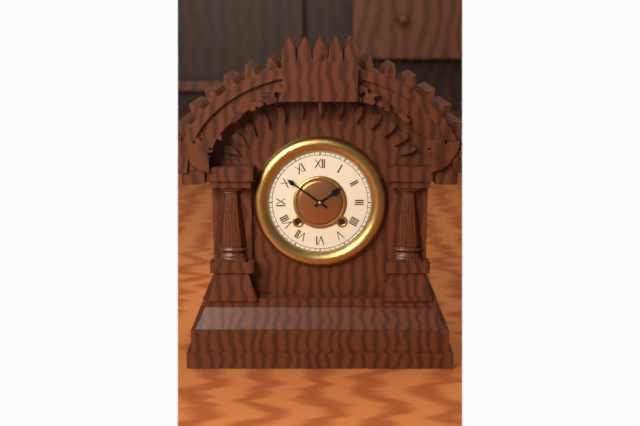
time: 1:51
